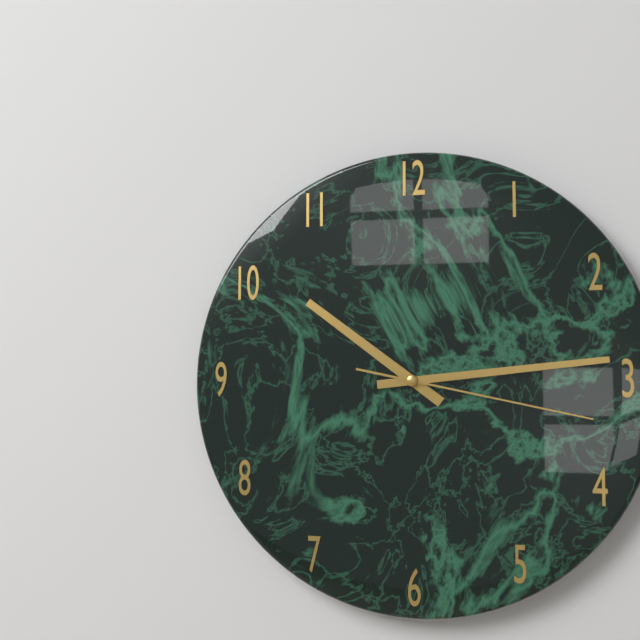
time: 10:14:17
